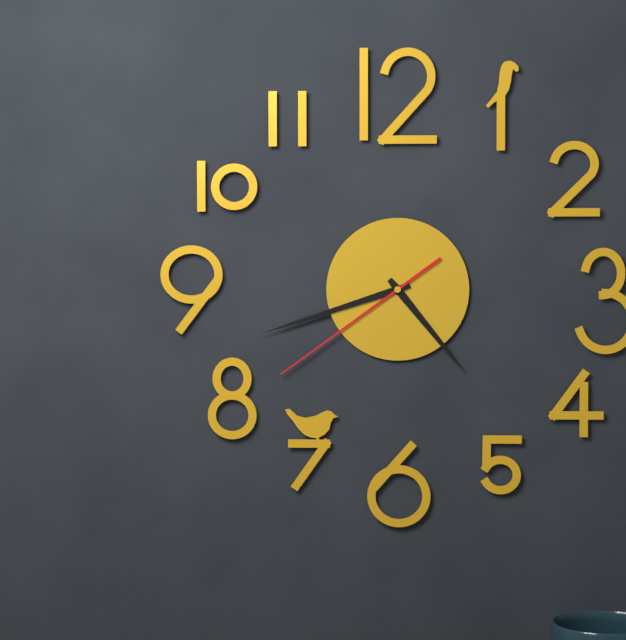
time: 4:42:39
